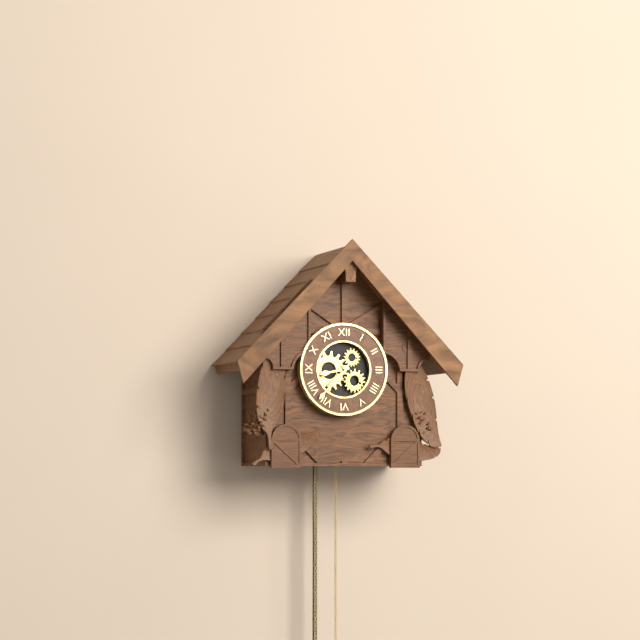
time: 8:37
